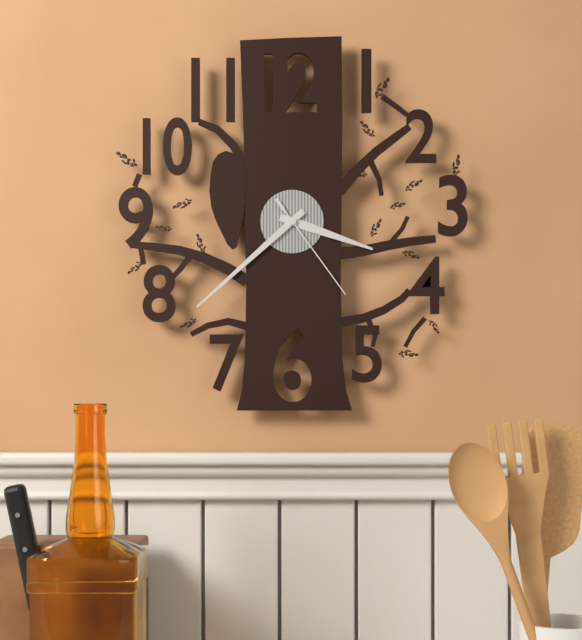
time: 3:38:24
